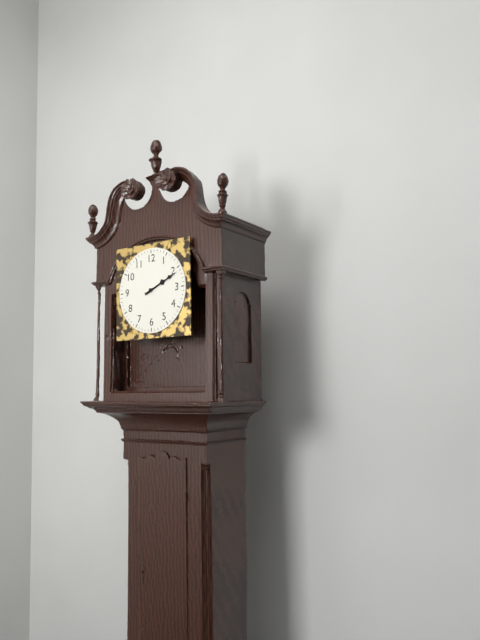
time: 2:11
